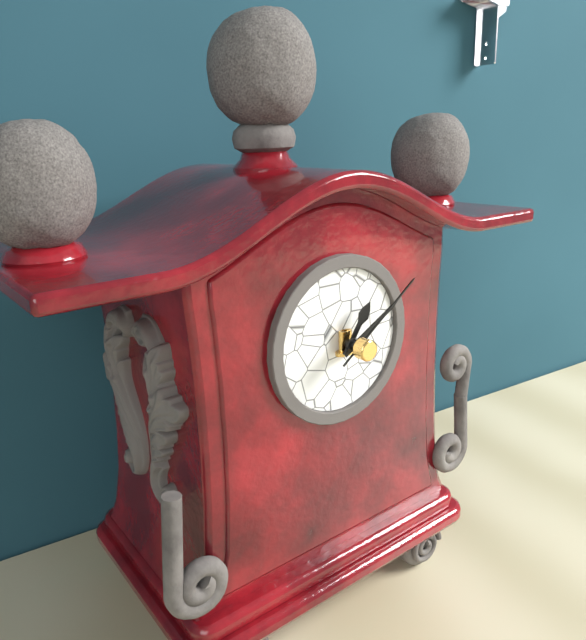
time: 1:10:09
